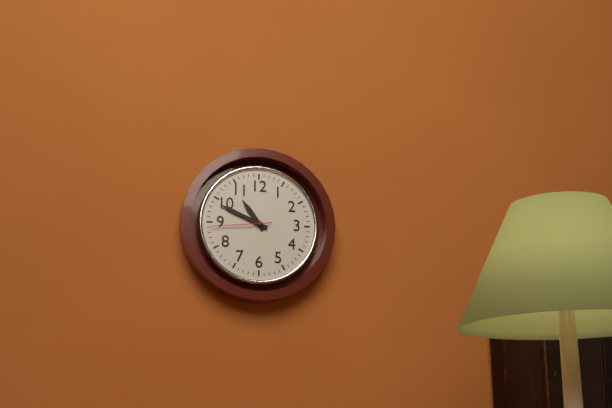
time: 10:49:44
